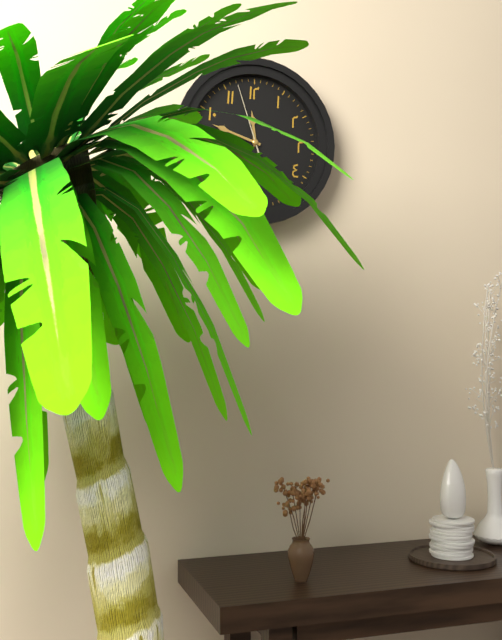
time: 11:48:57
